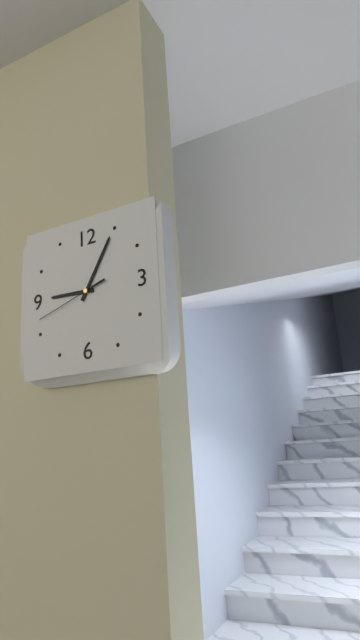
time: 9:05:42
